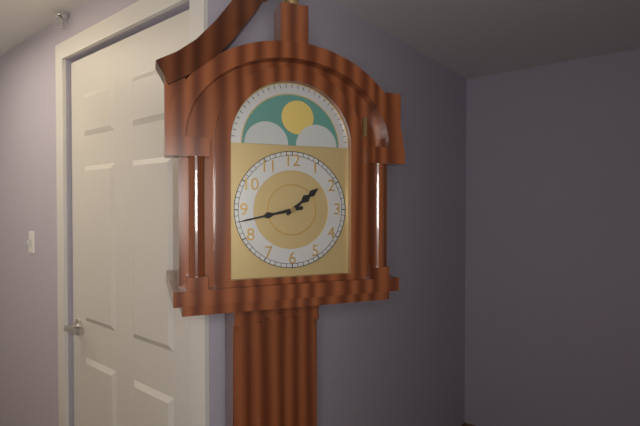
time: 1:43
